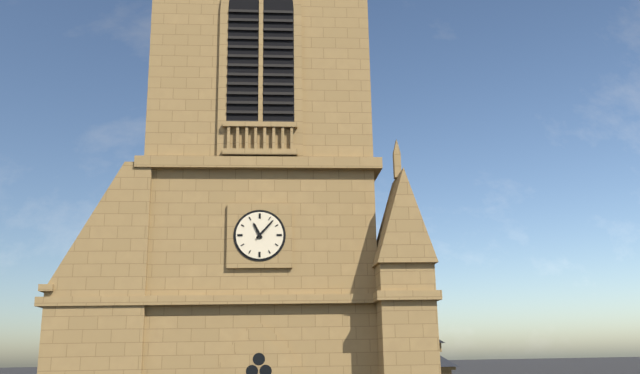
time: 11:07
